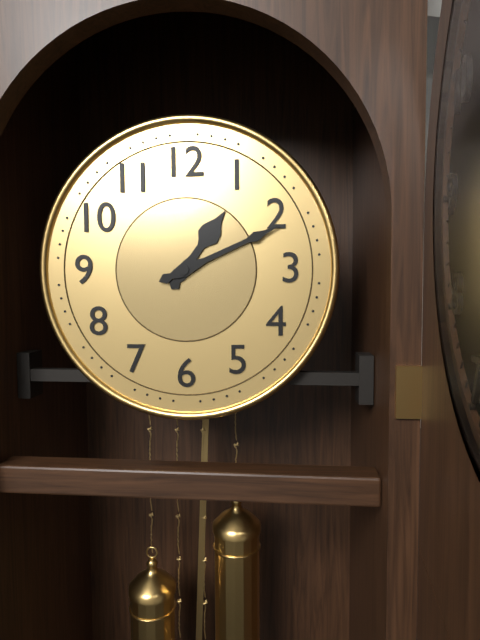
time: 1:11
